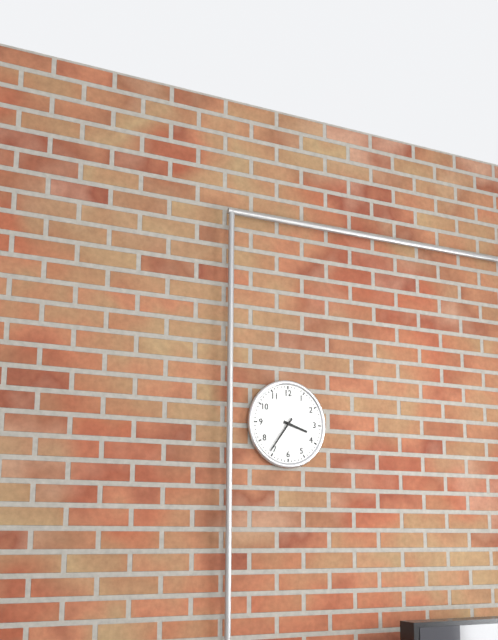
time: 3:36
